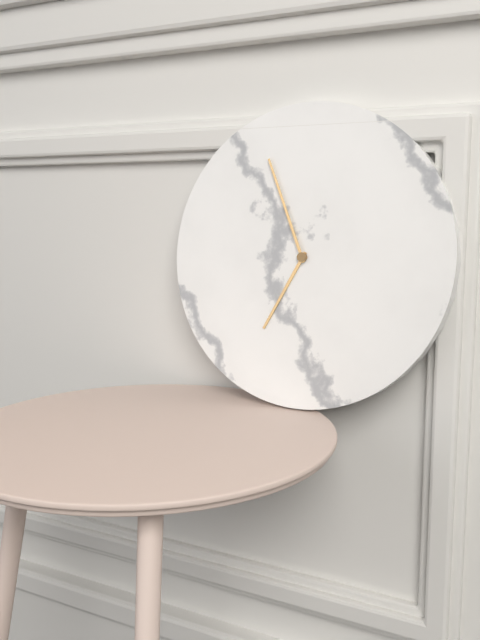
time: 6:56
